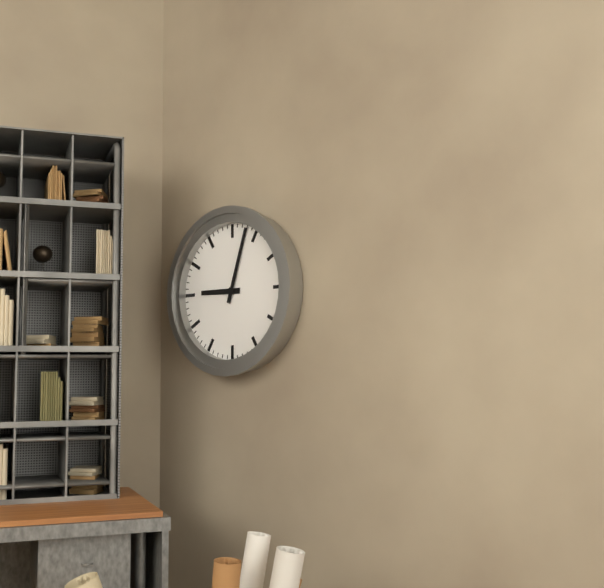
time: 9:03
